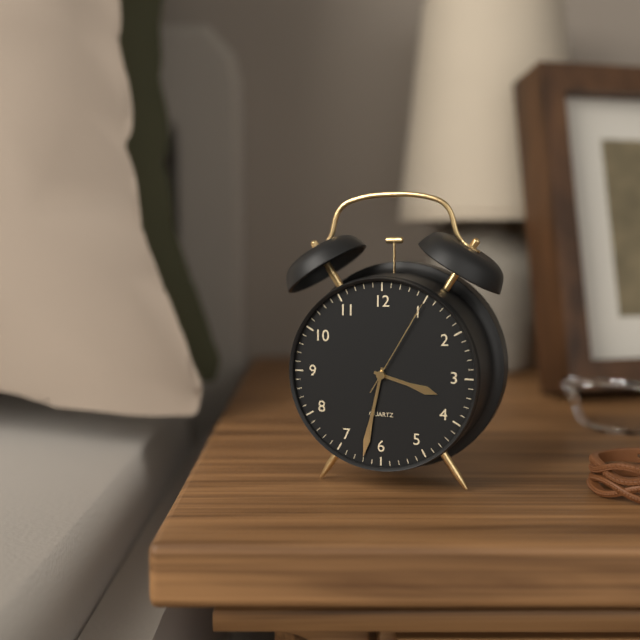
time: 3:32:05
